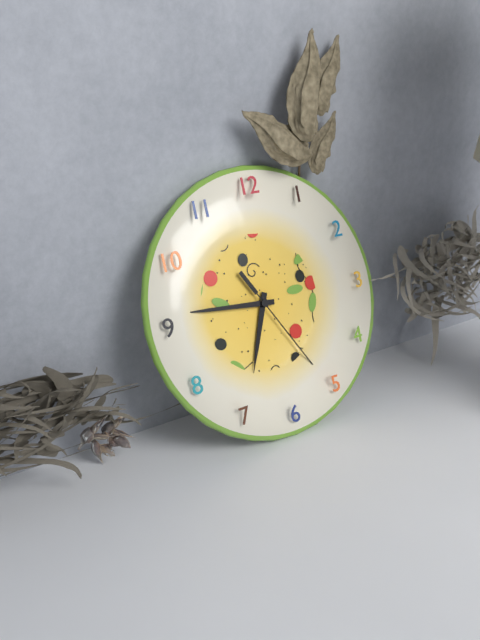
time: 6:46:25
